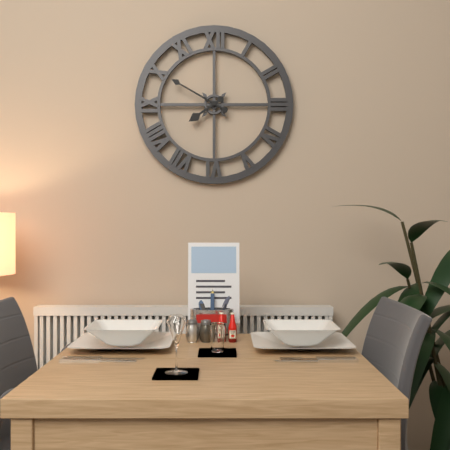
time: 7:50
